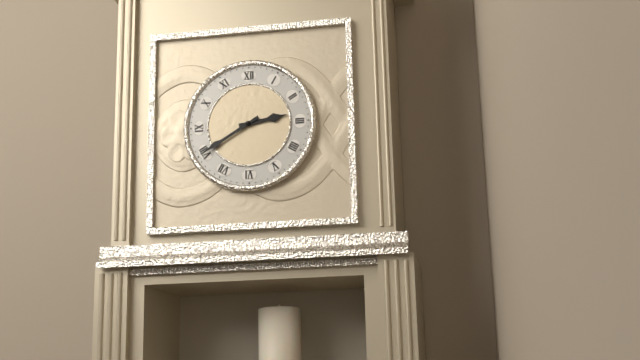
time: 2:40
